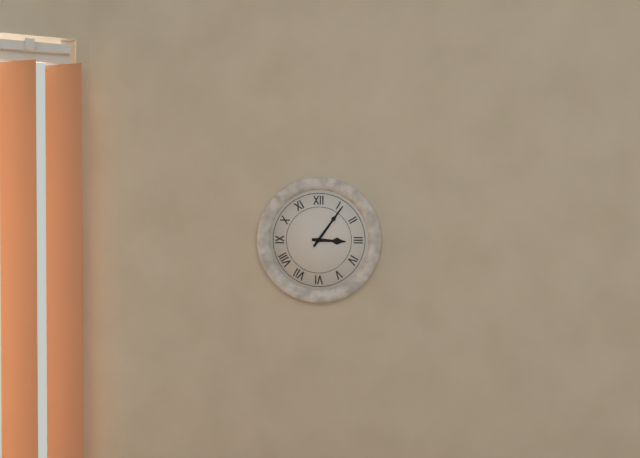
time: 3:06
